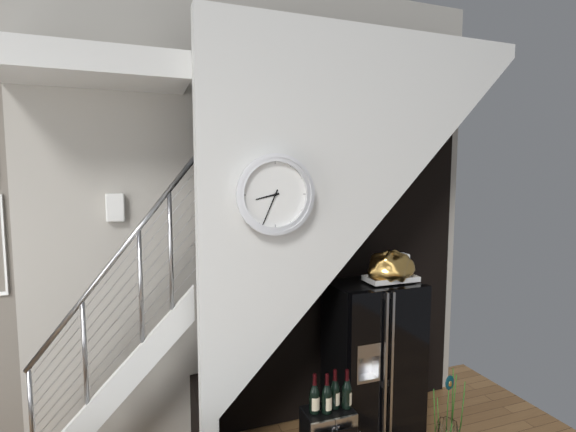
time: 8:34
